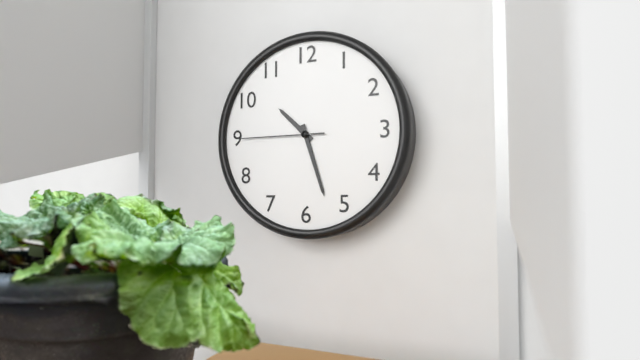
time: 10:27:45
